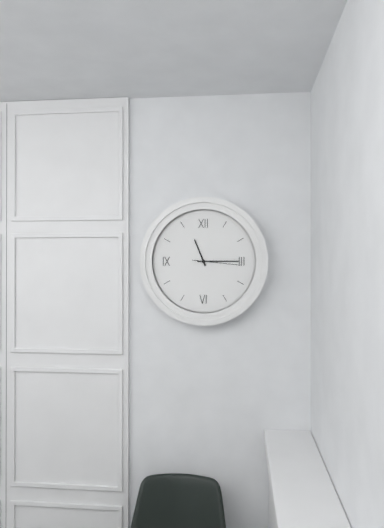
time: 11:15
